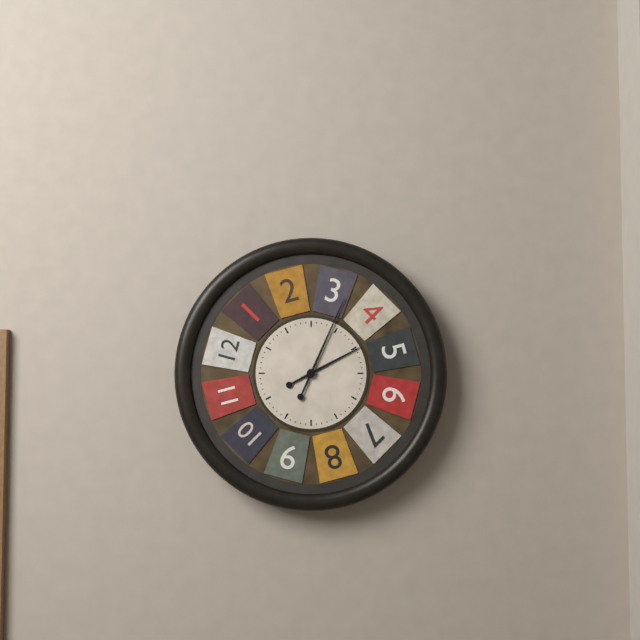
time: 2:04
